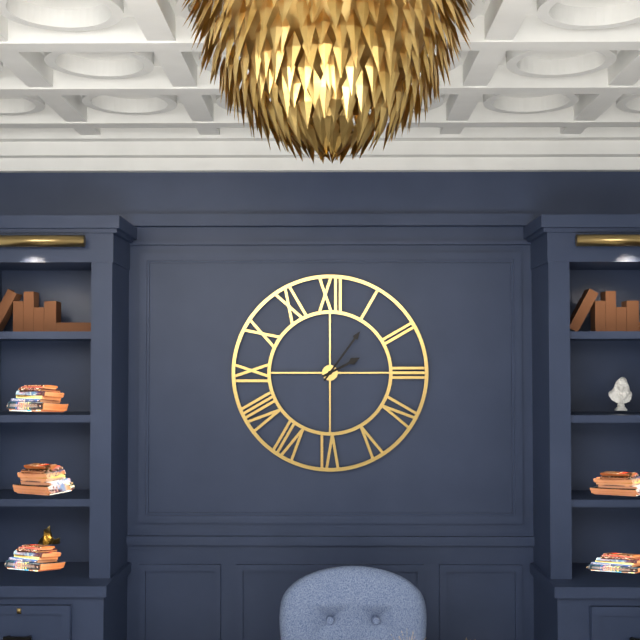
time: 2:06
